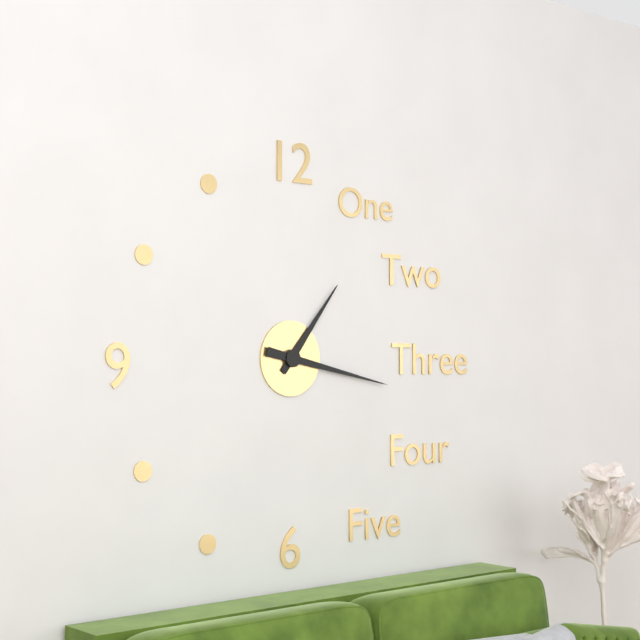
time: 1:17
